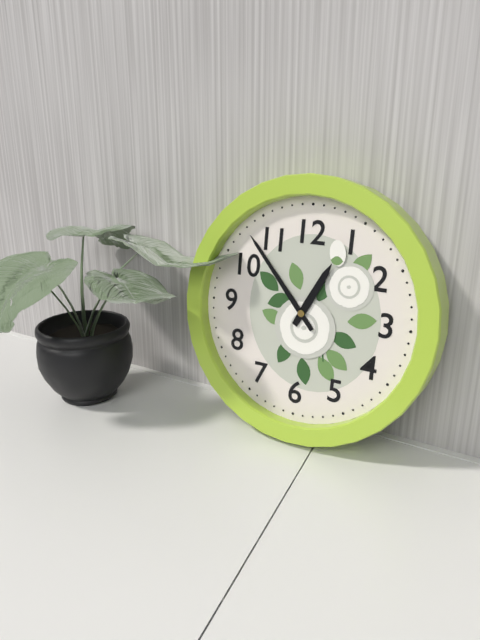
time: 12:53
